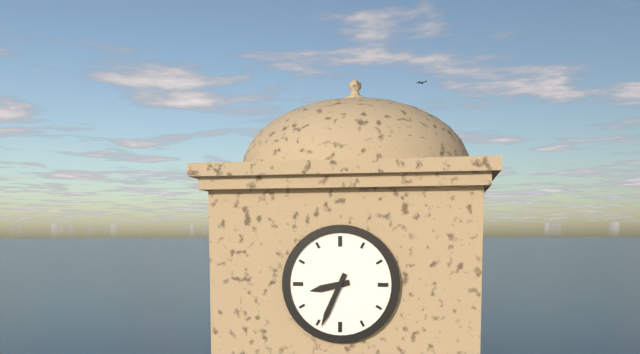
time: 8:34
